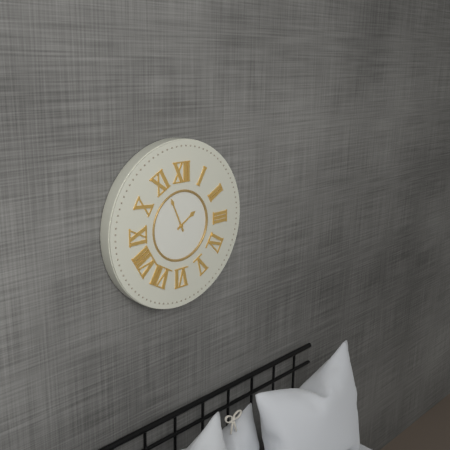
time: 1:56
